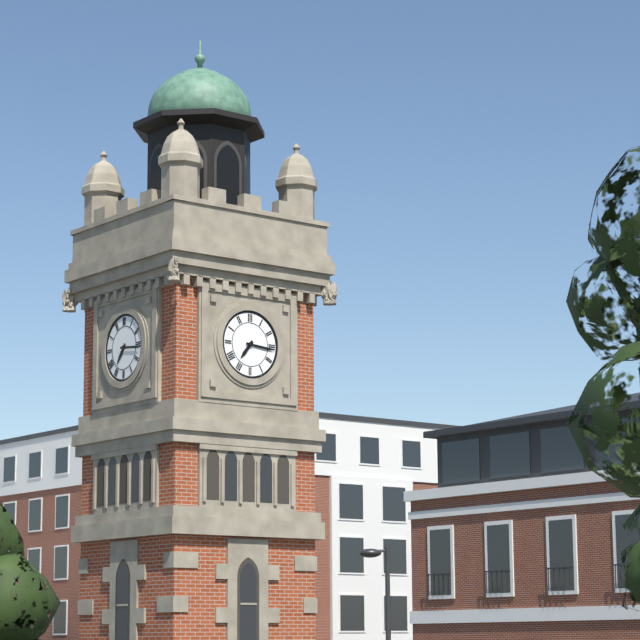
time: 7:16
